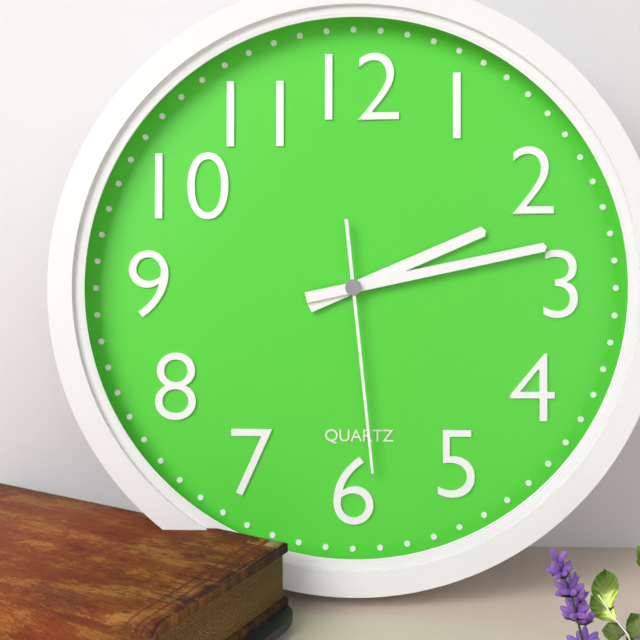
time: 2:13:29
